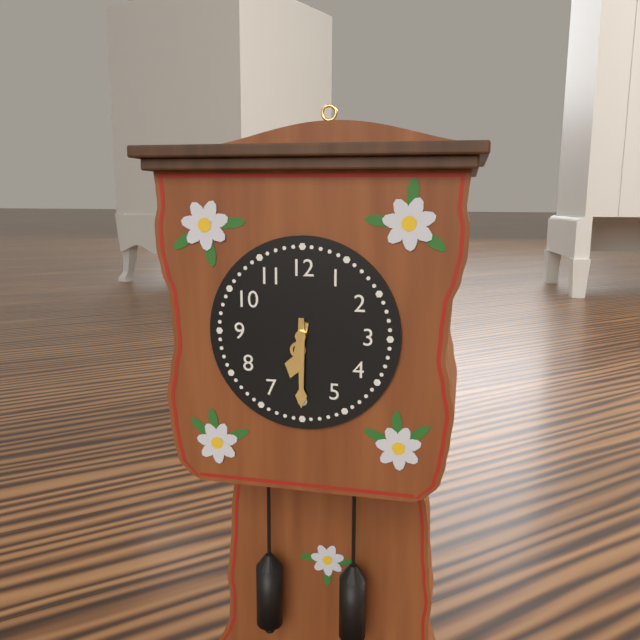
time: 6:30
